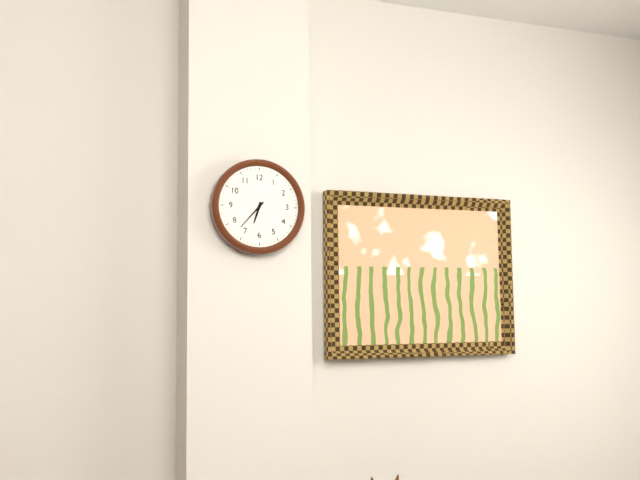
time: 6:37
